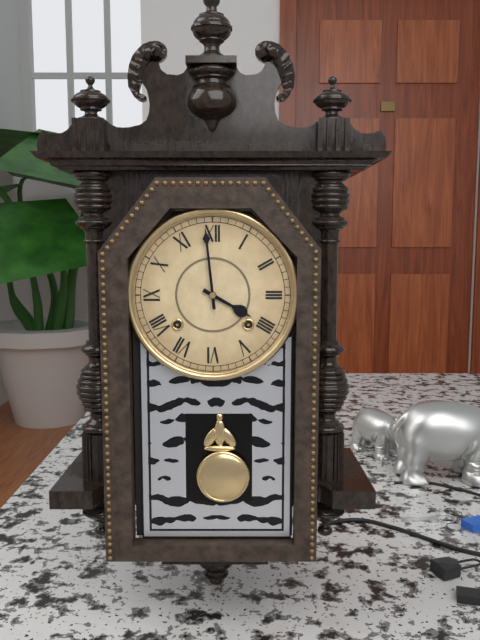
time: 3:59
